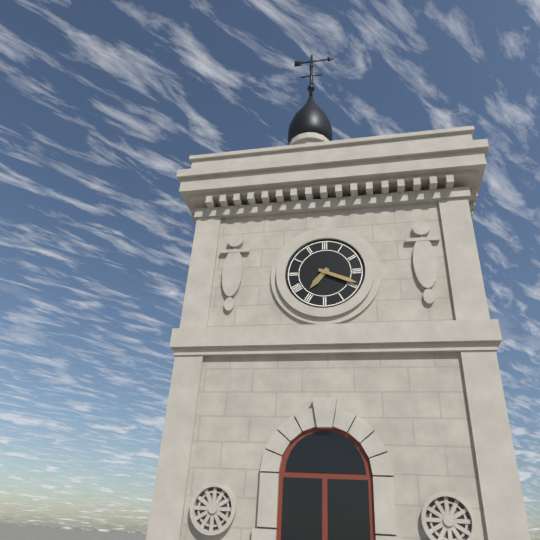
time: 7:19
